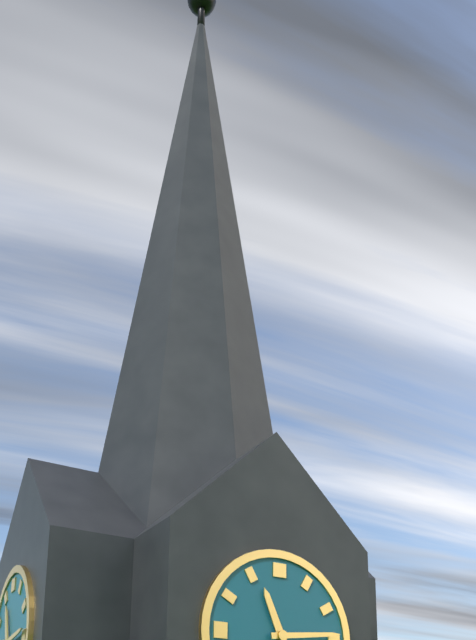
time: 11:14
